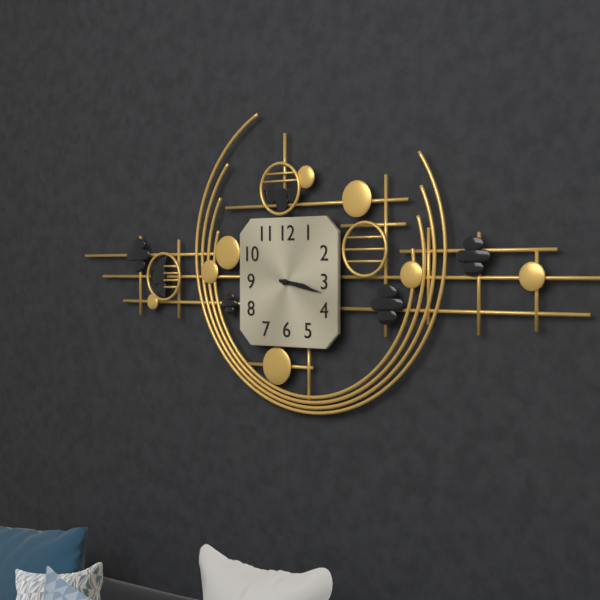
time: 3:17
